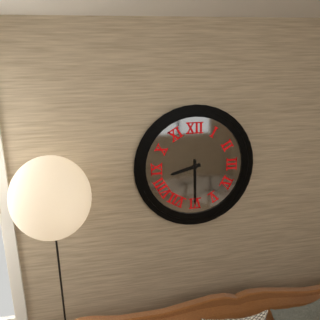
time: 8:30
